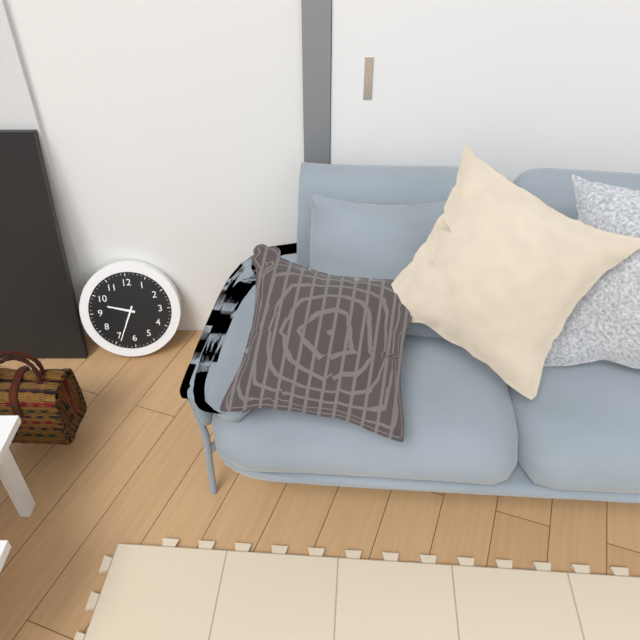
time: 9:34
